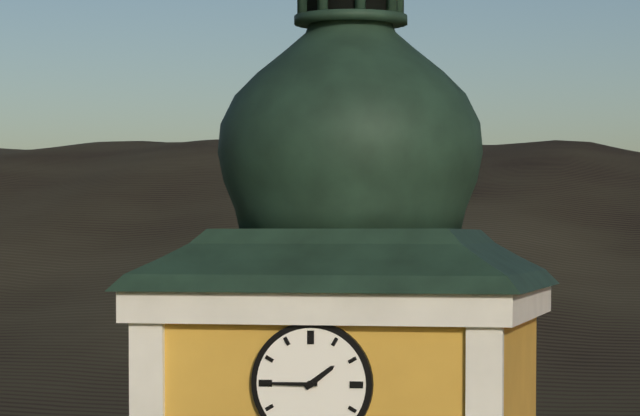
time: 1:45
